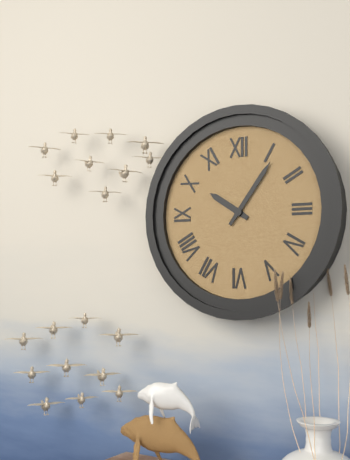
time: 10:06
